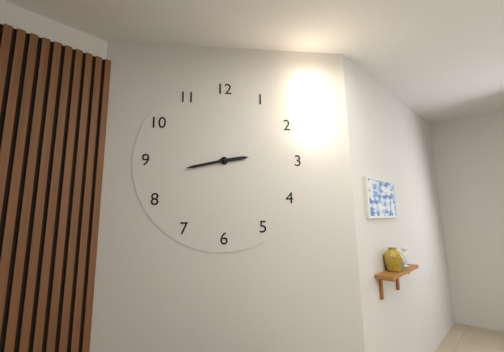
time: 2:43
